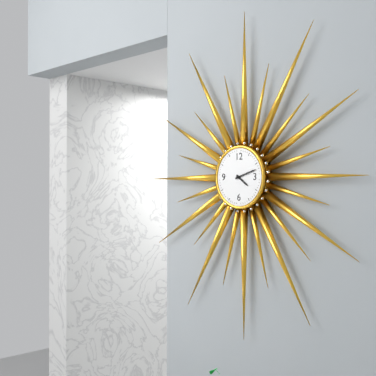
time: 4:12
